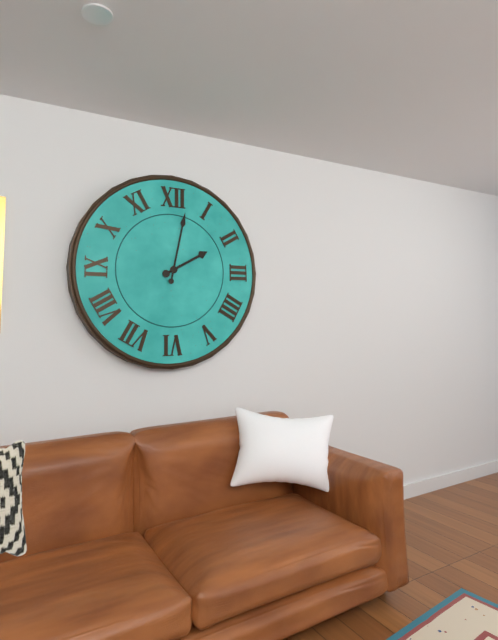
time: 2:02
